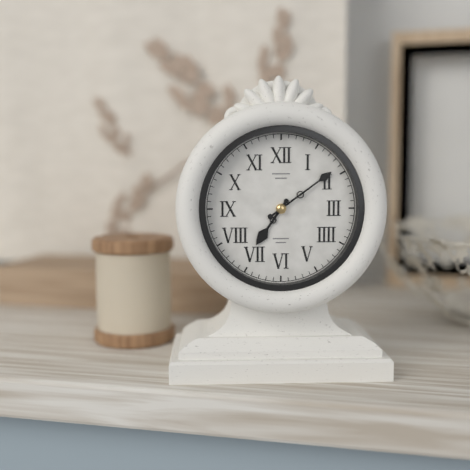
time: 7:09
